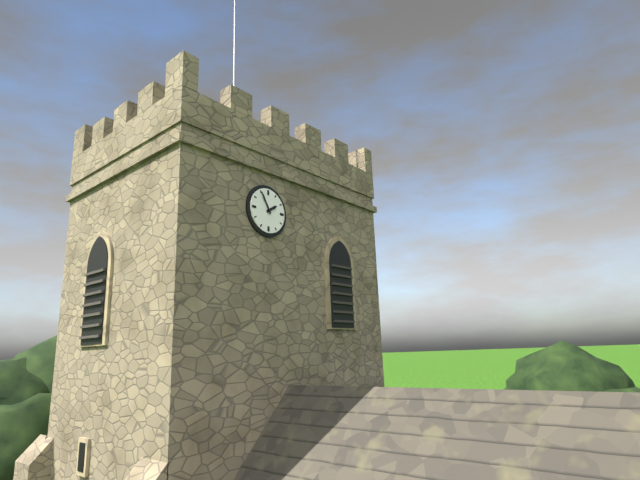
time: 1:55
